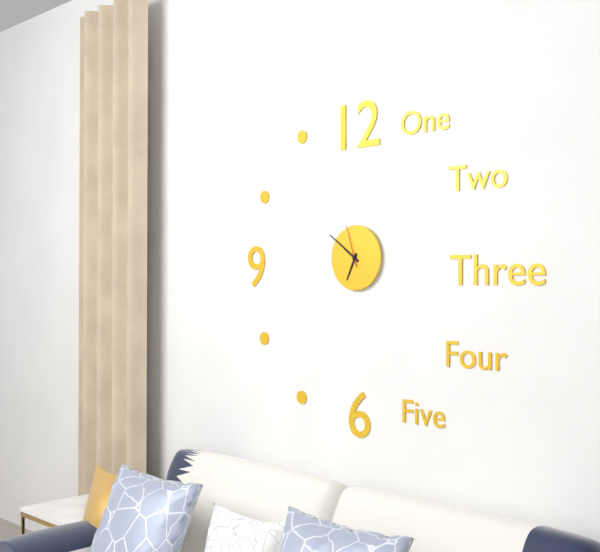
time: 6:51
